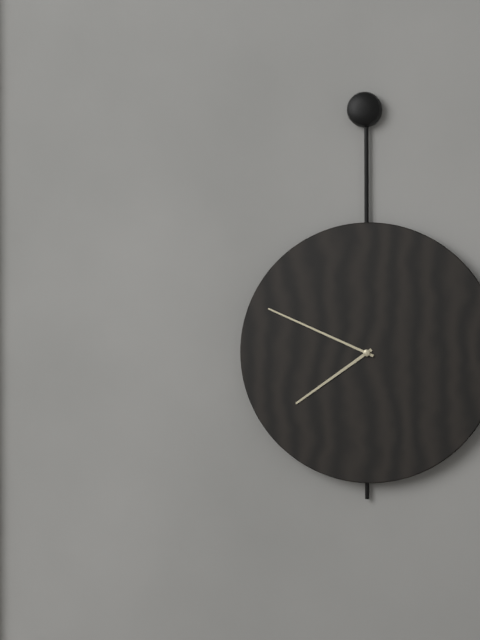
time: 7:49
